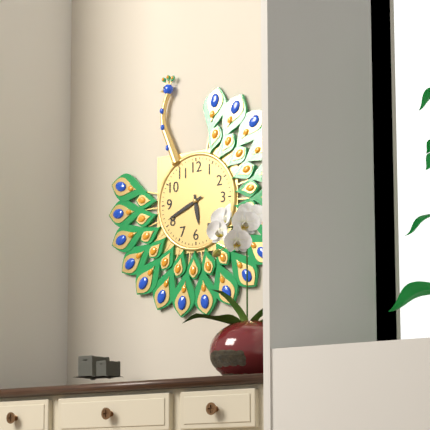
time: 5:41
